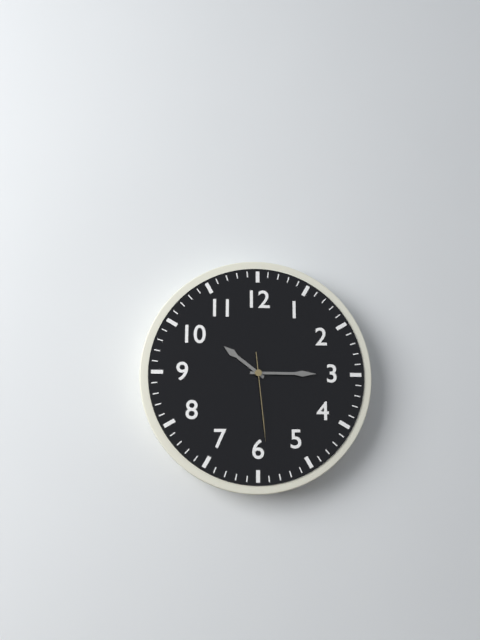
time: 10:15:29
